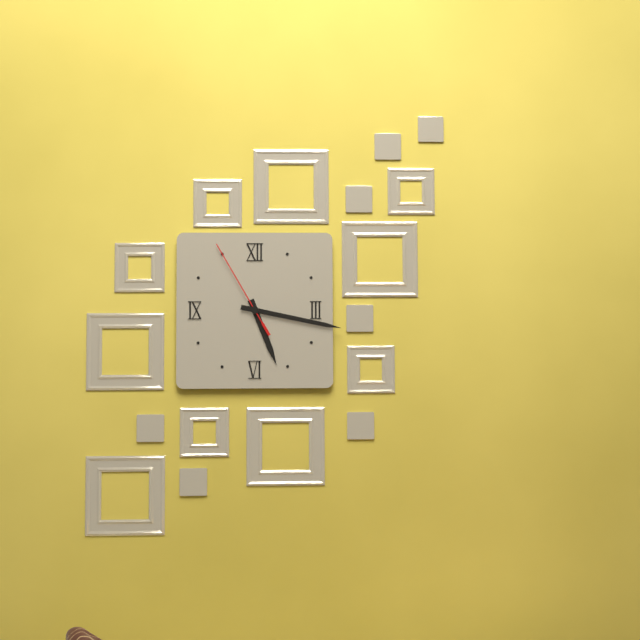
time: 5:17:55
